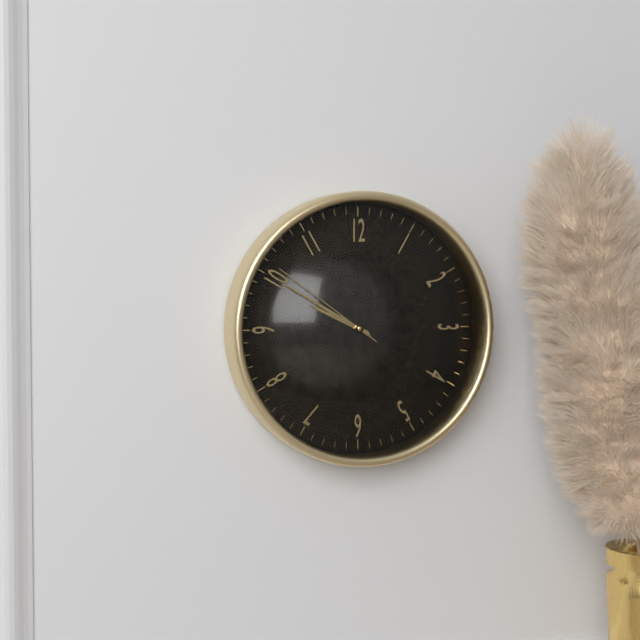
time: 9:50:51
